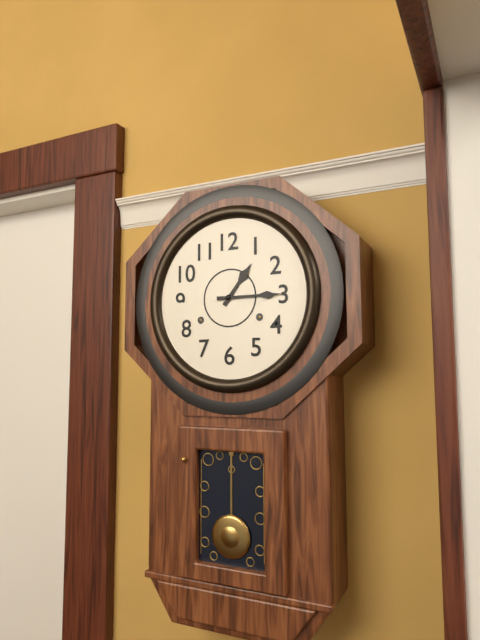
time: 1:15
